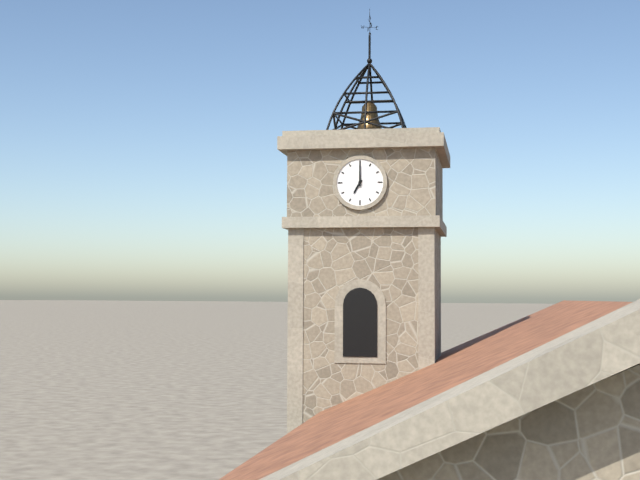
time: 7:00
